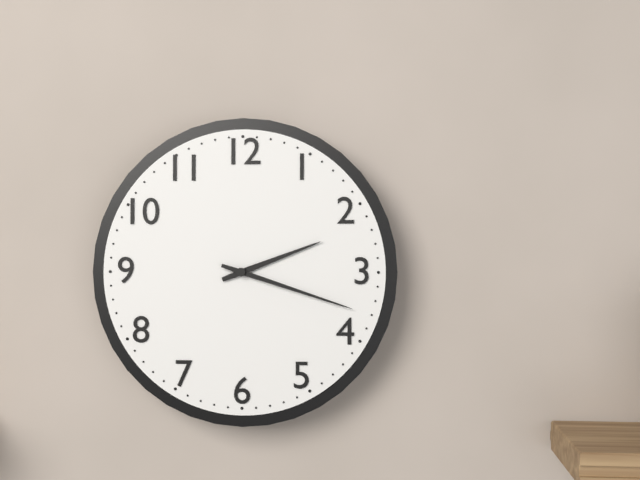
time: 2:18
